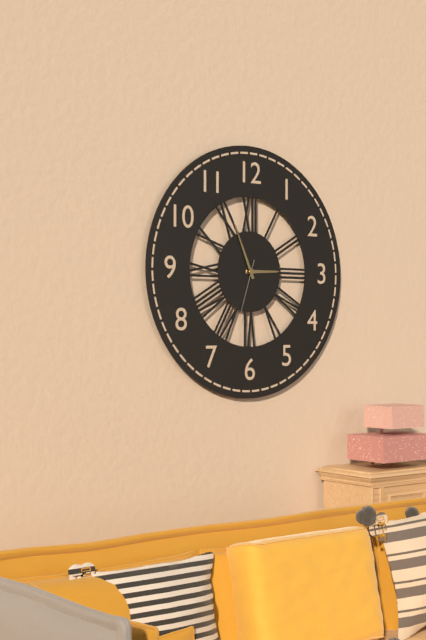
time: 2:56:33
